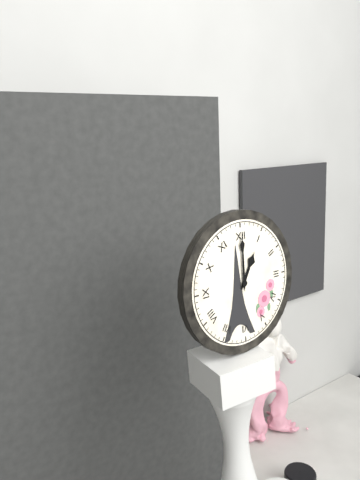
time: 1:00
